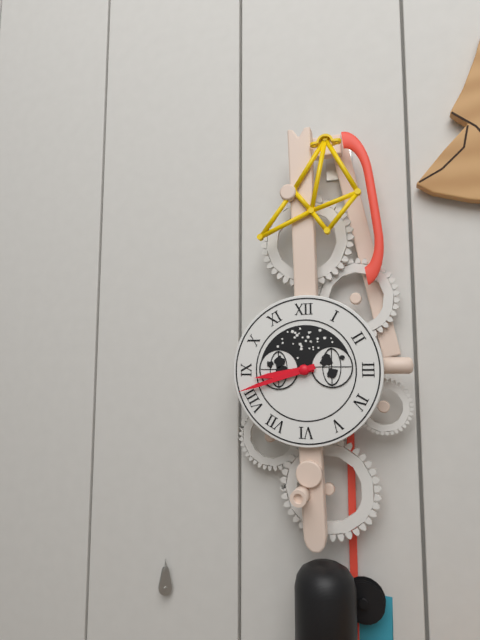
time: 8:42
